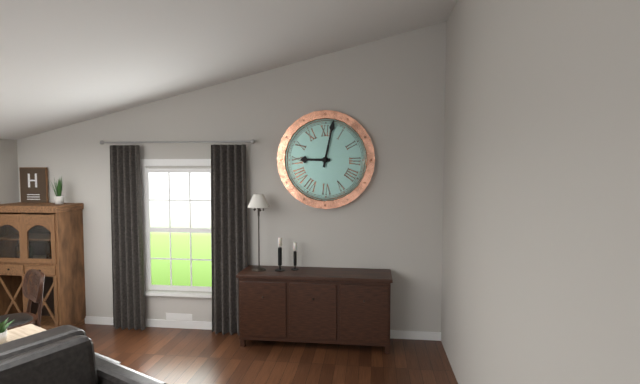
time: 9:02
